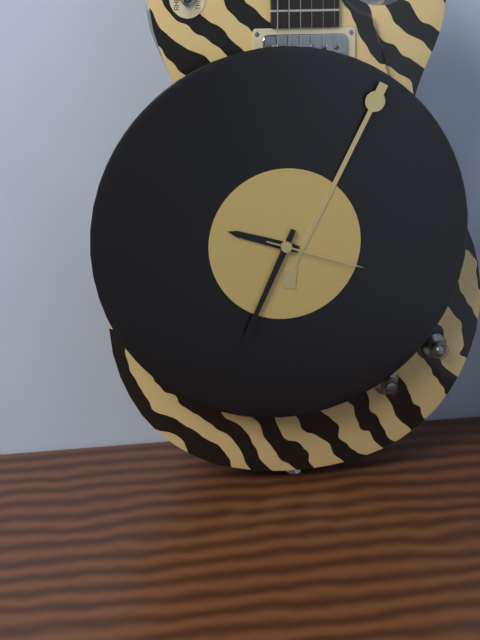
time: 9:34:18
